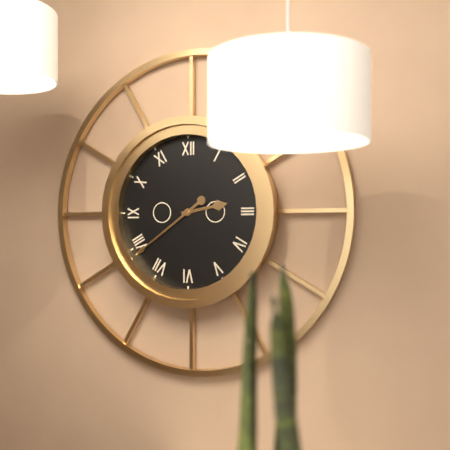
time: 2:39
